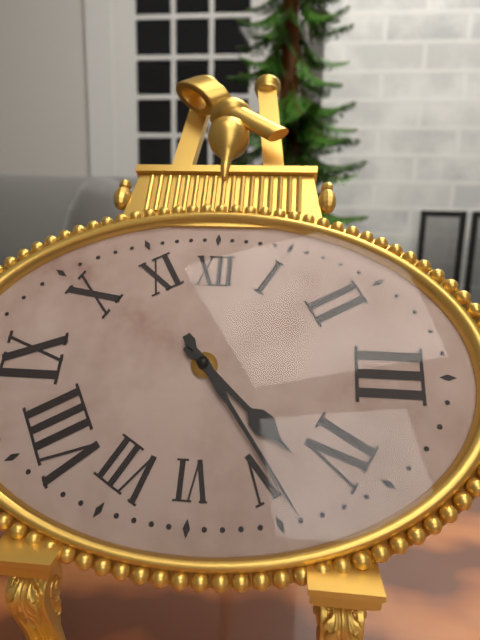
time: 4:24
